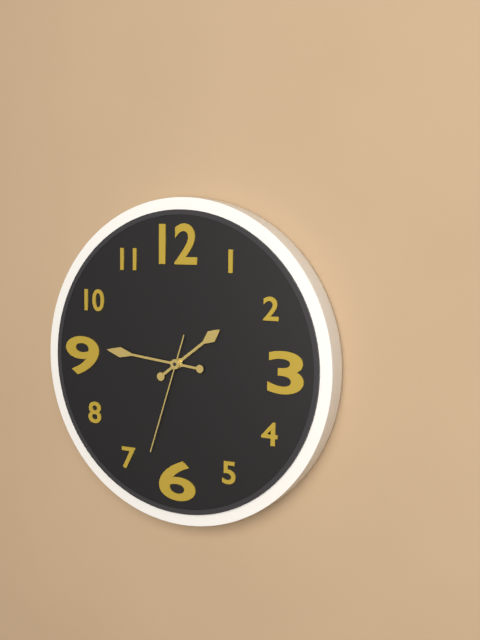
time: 1:46:33
